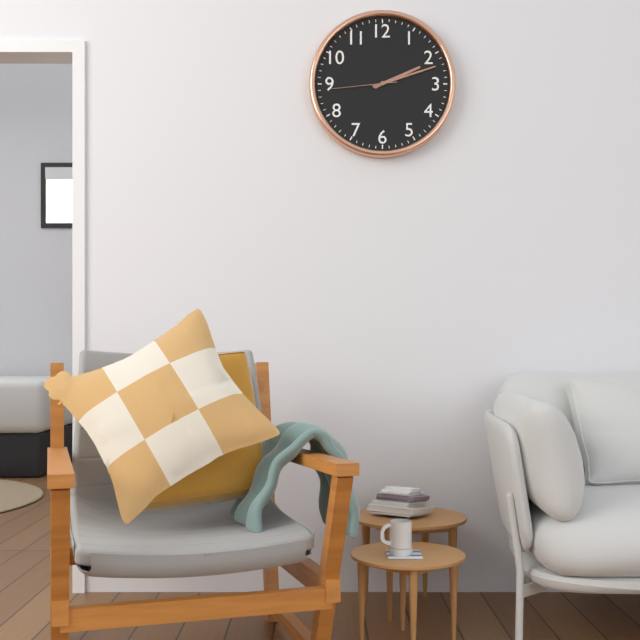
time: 2:12:44
